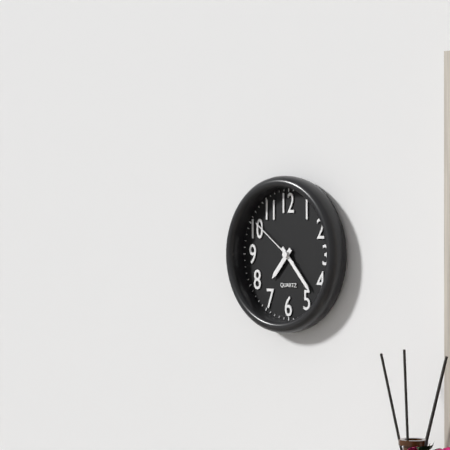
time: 7:23:51
